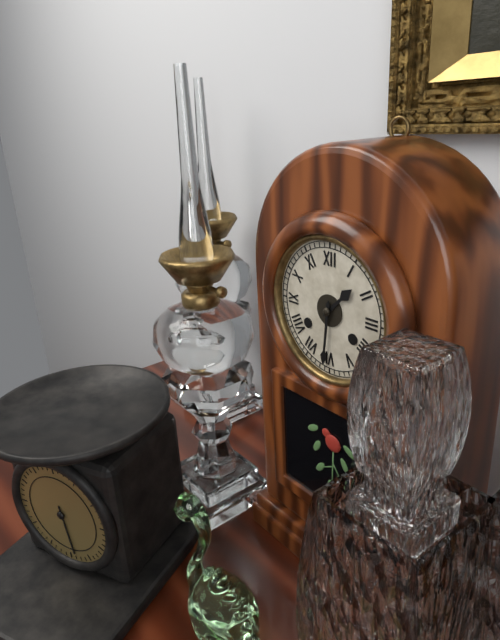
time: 1:31
